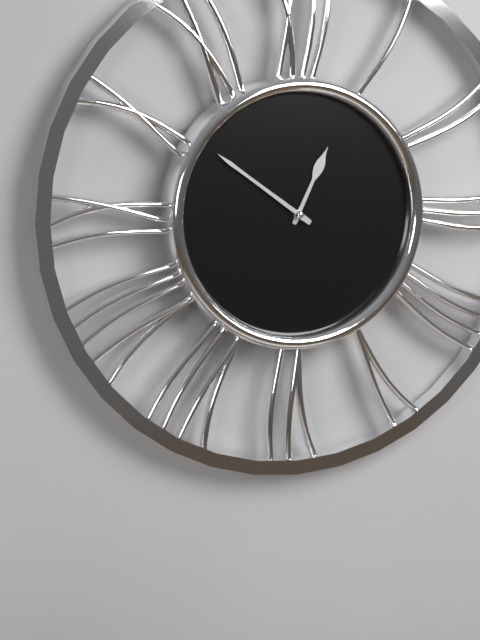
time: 12:51
